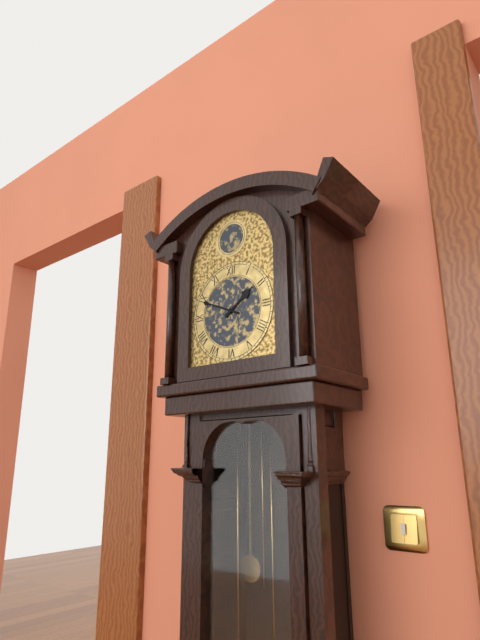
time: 1:49
